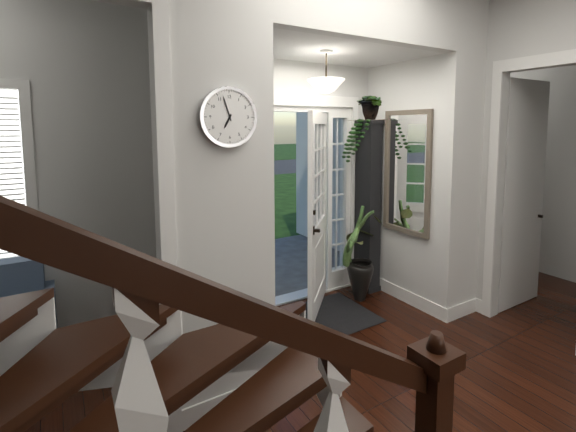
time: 6:57
